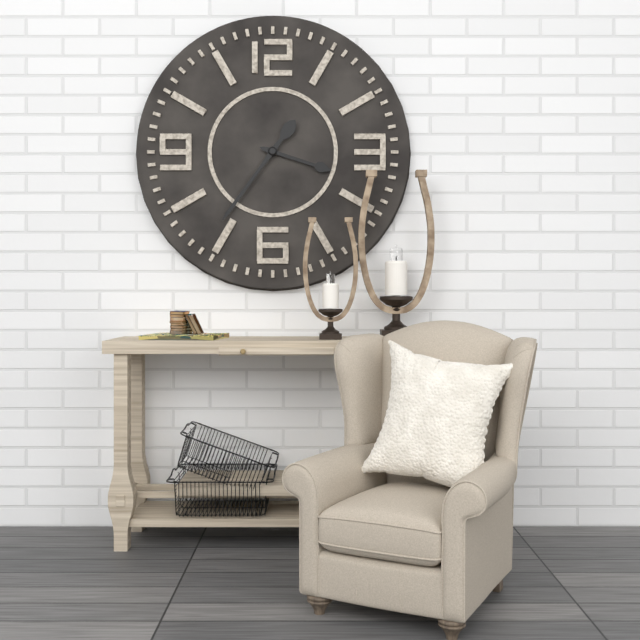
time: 3:36
